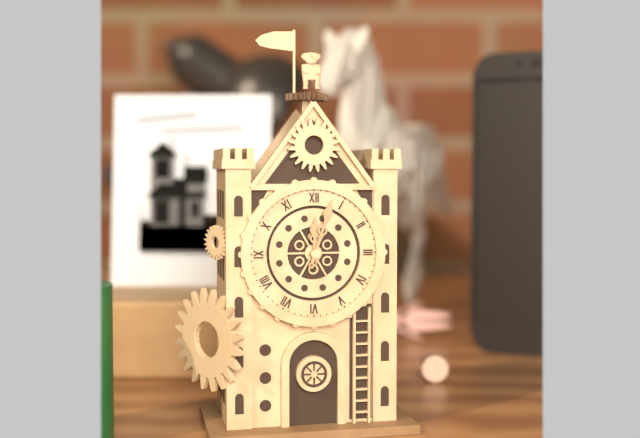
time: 12:03
